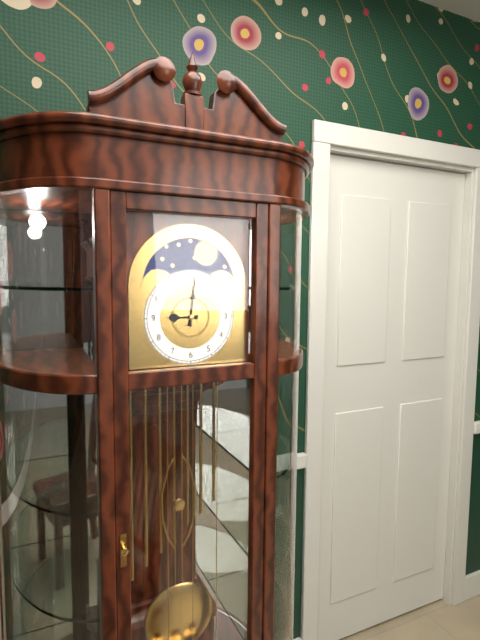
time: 9:01
